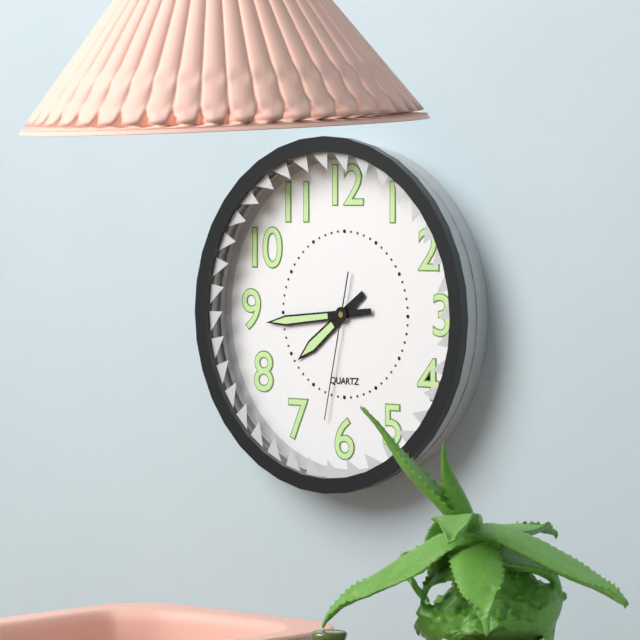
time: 7:44:32
